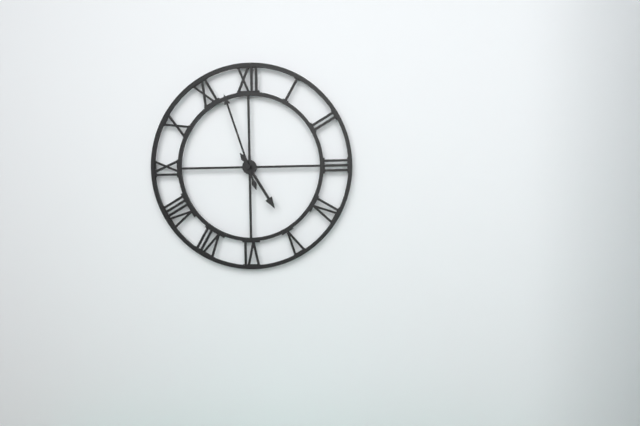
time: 4:57
